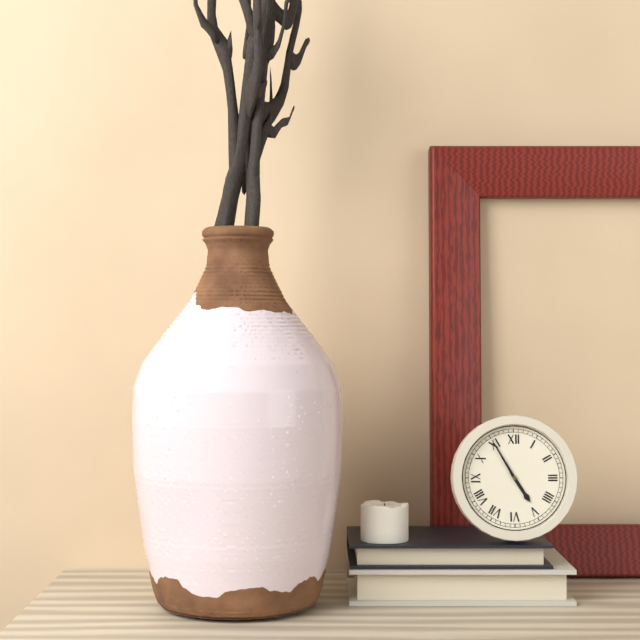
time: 4:55
